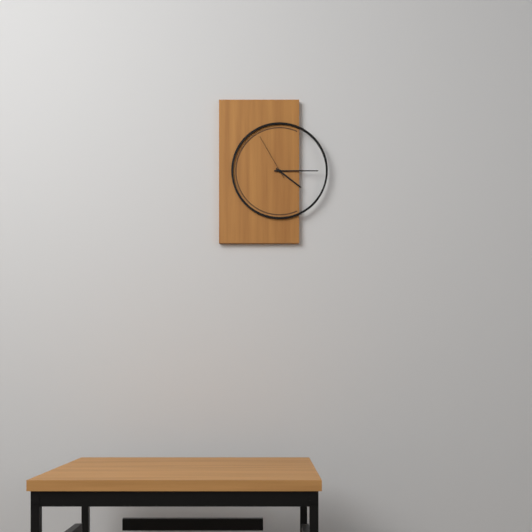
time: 4:15:55
